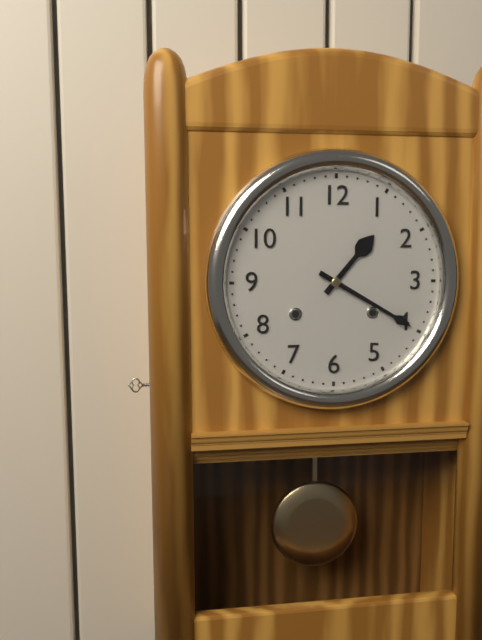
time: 1:20
